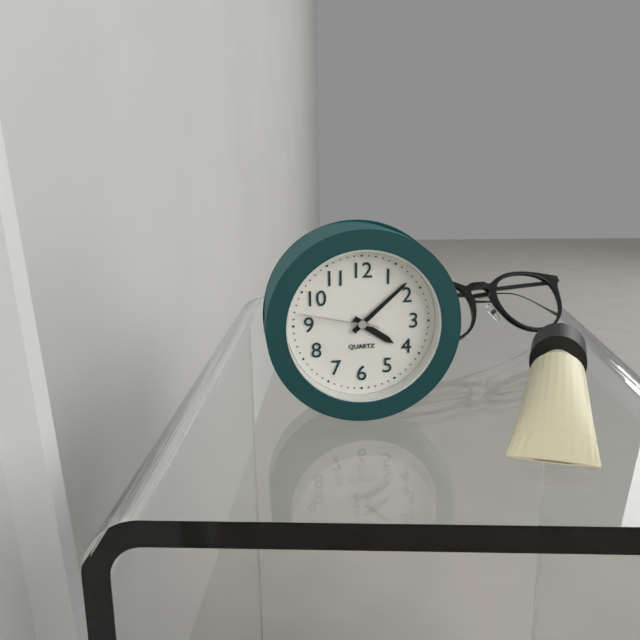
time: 4:08:47
